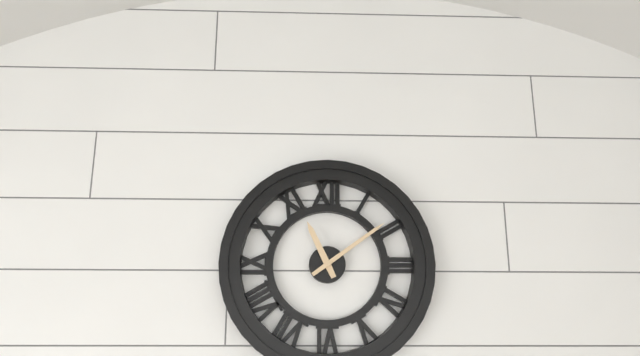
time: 11:09
